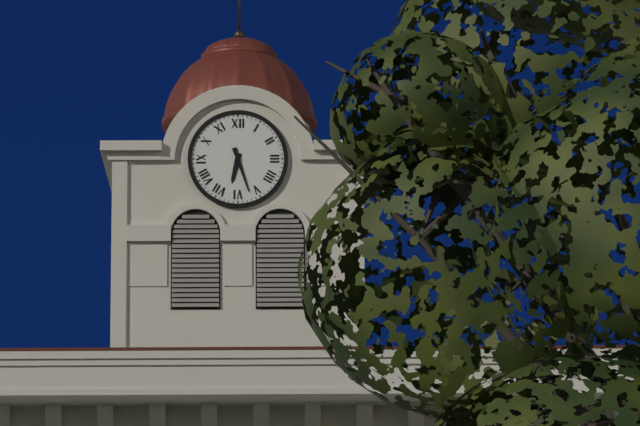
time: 6:27
